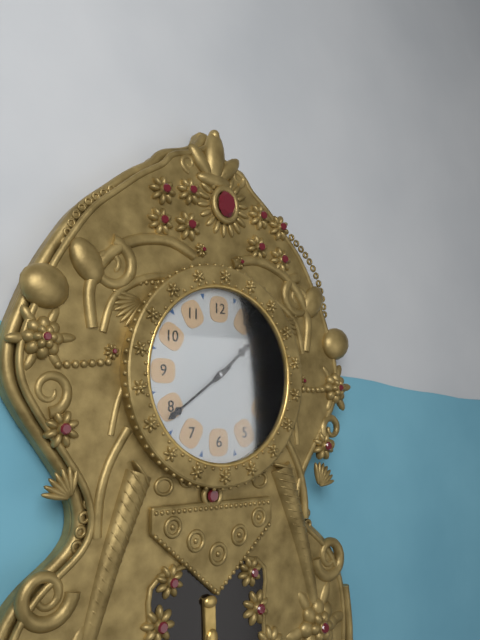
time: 1:39
